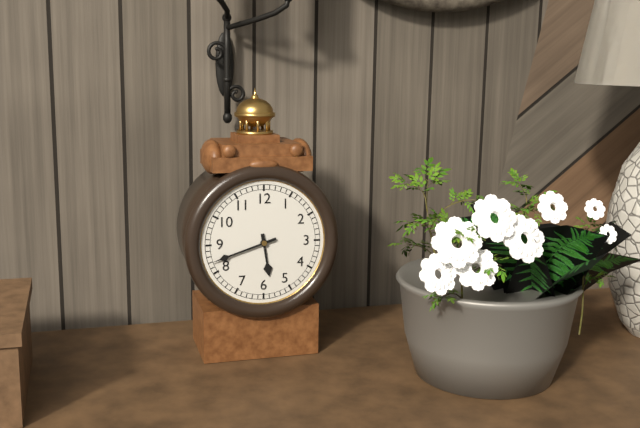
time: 5:42
